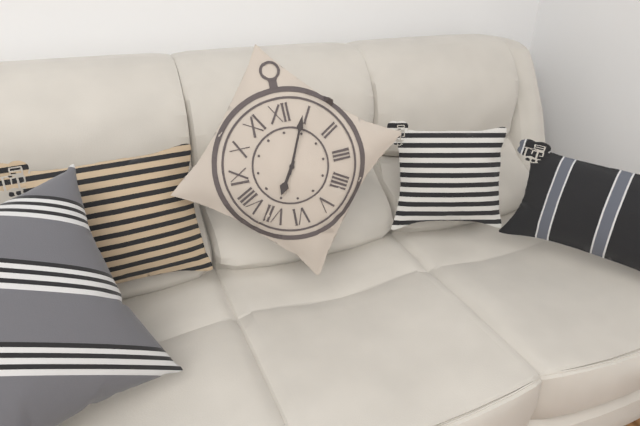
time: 7:04
